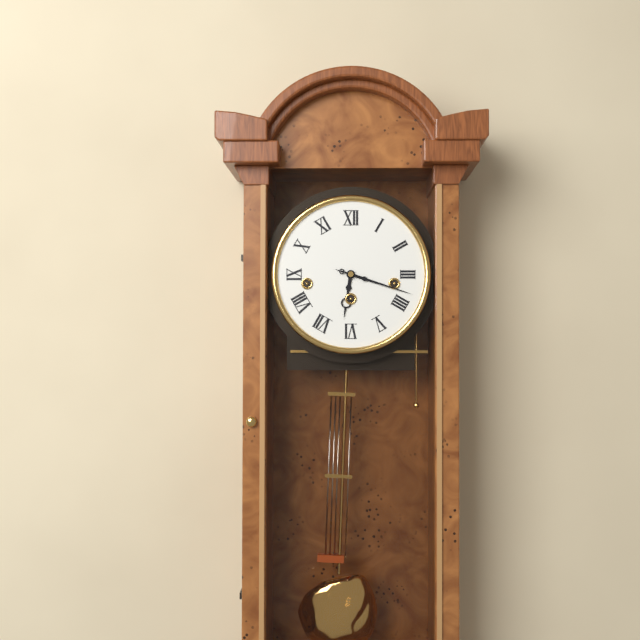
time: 6:18
